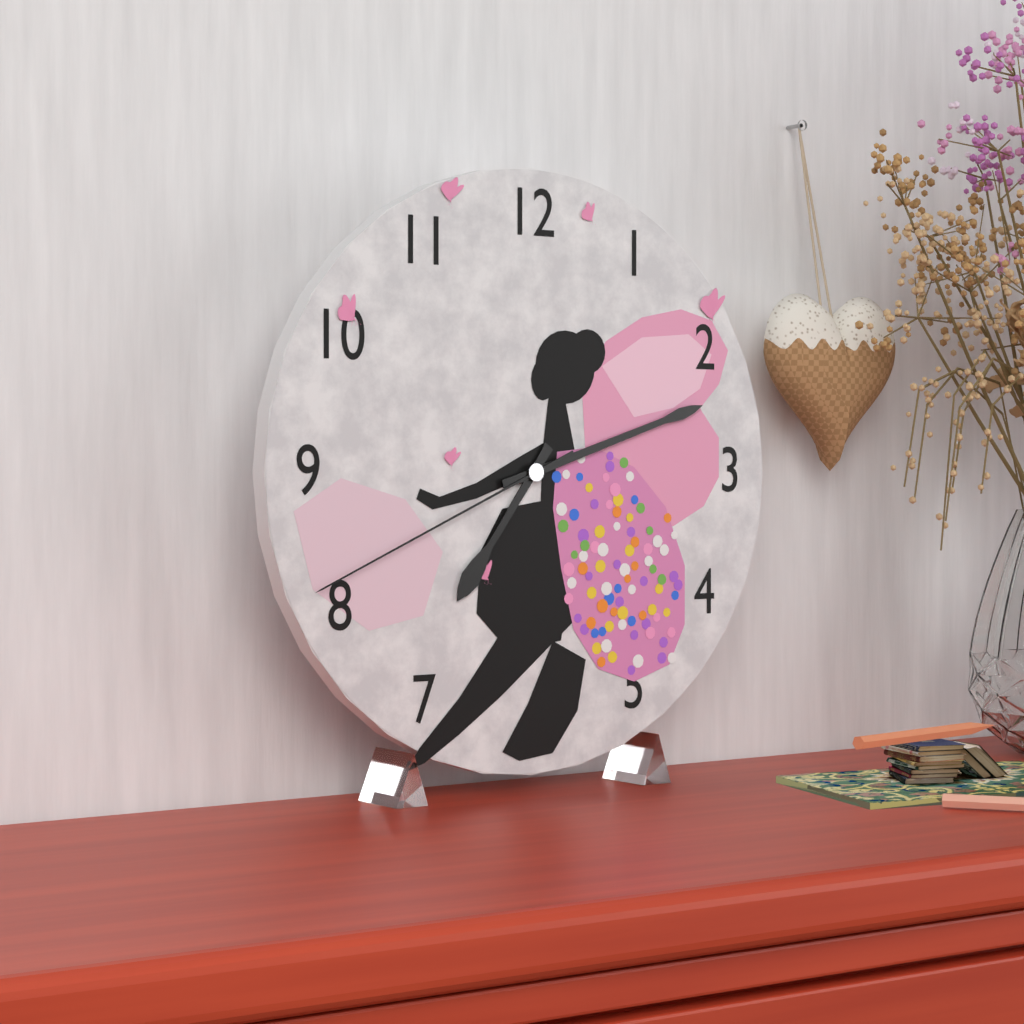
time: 7:12:41
